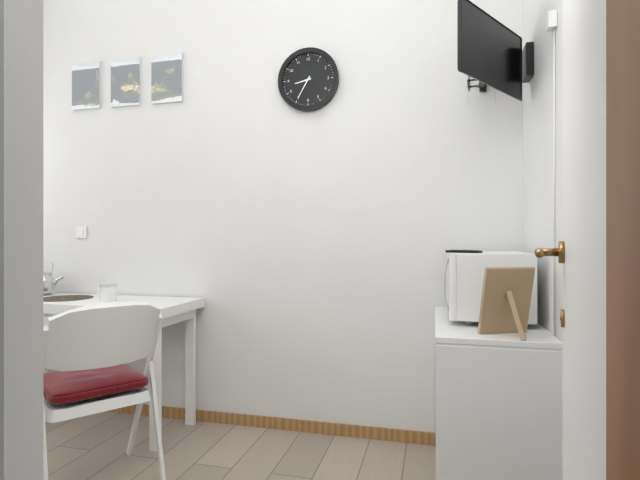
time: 8:35
